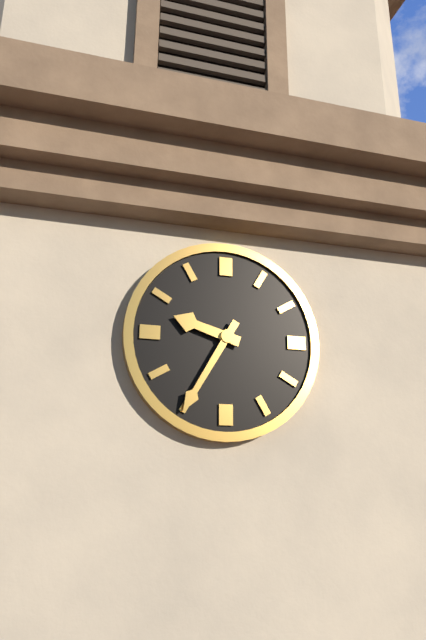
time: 9:35
